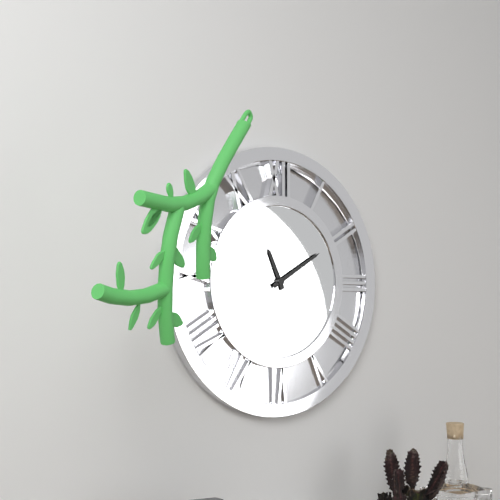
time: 11:10
